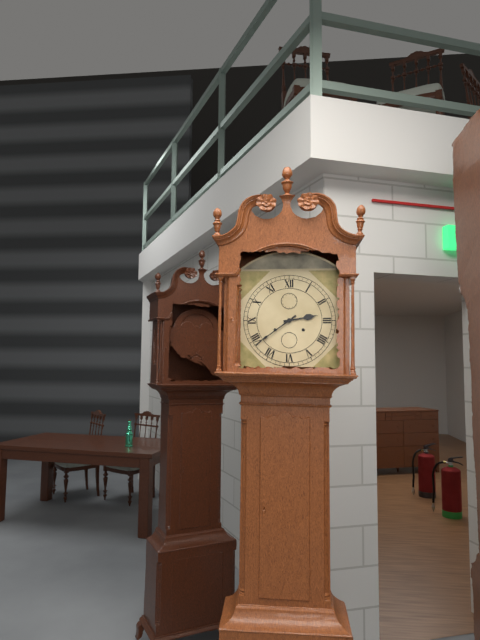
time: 2:39
